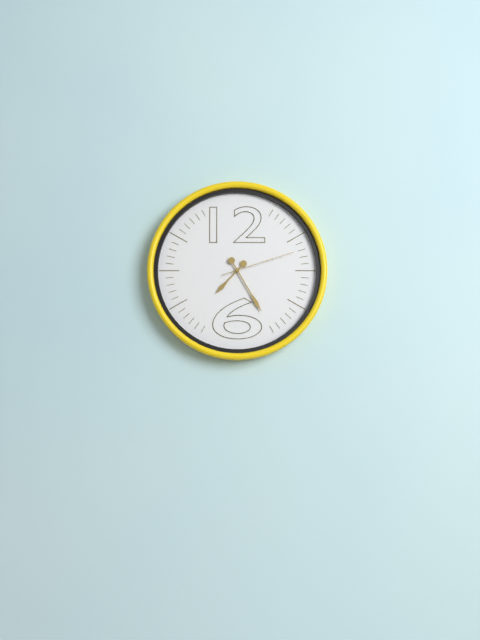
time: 7:25:12
